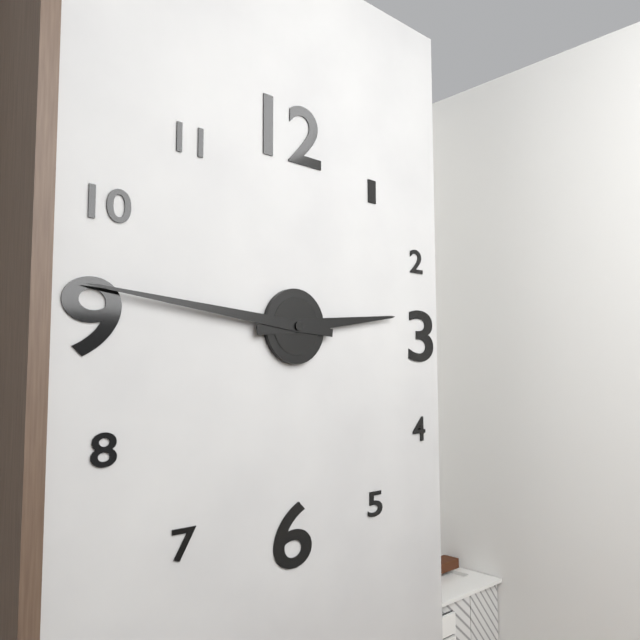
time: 2:46
